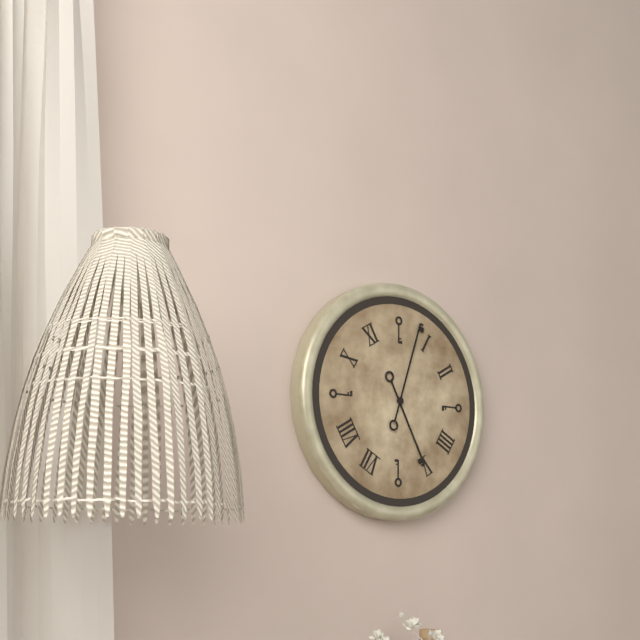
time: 5:03
